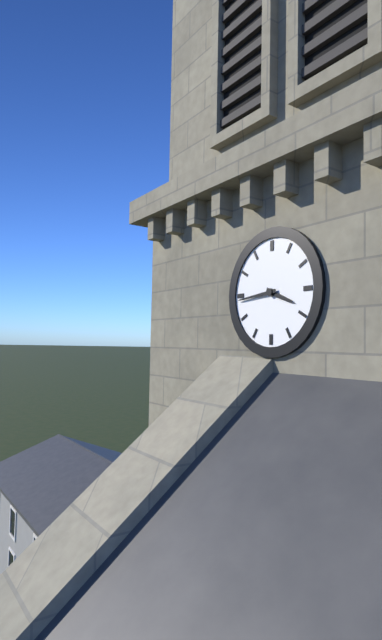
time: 3:44
